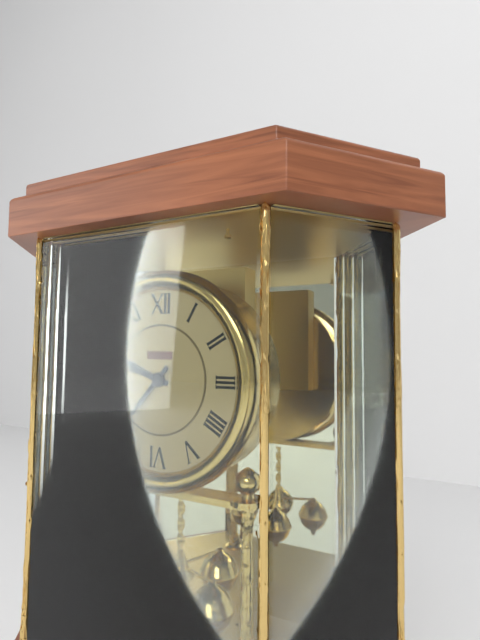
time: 9:37
